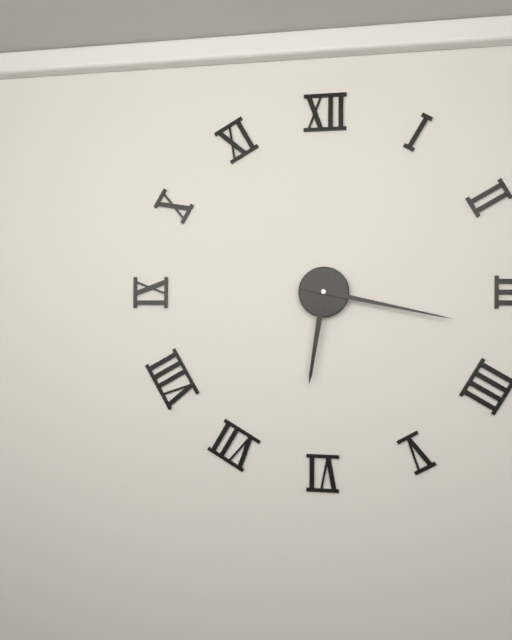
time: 6:17
